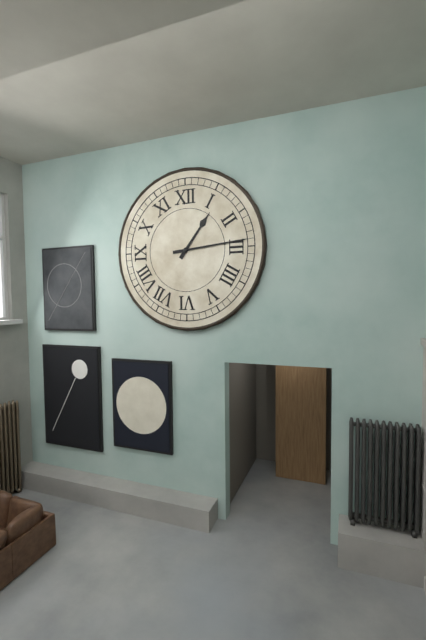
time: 1:14
